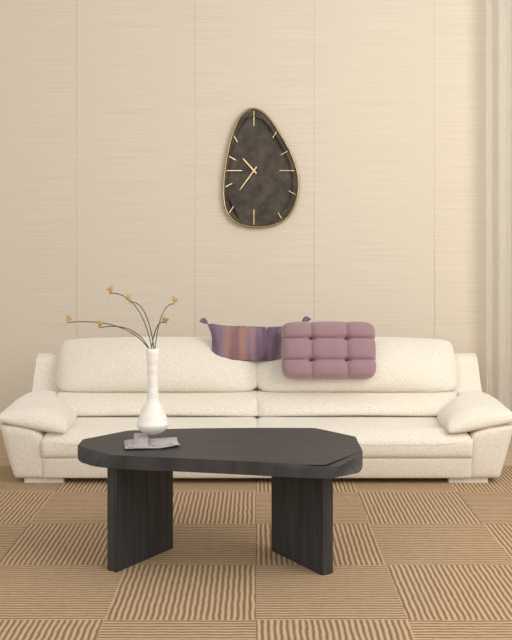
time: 10:36
